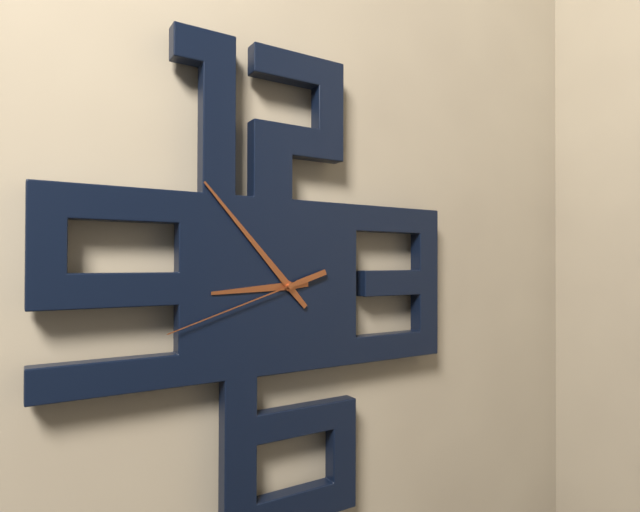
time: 8:53:42
